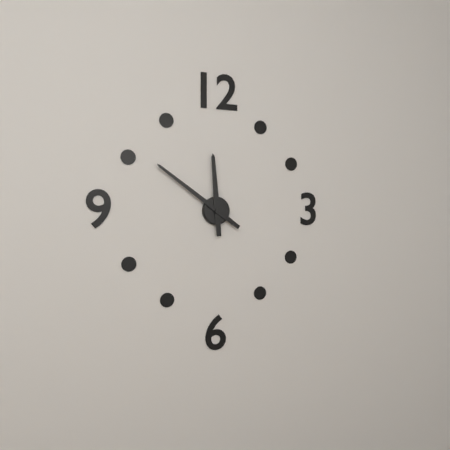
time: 11:51
